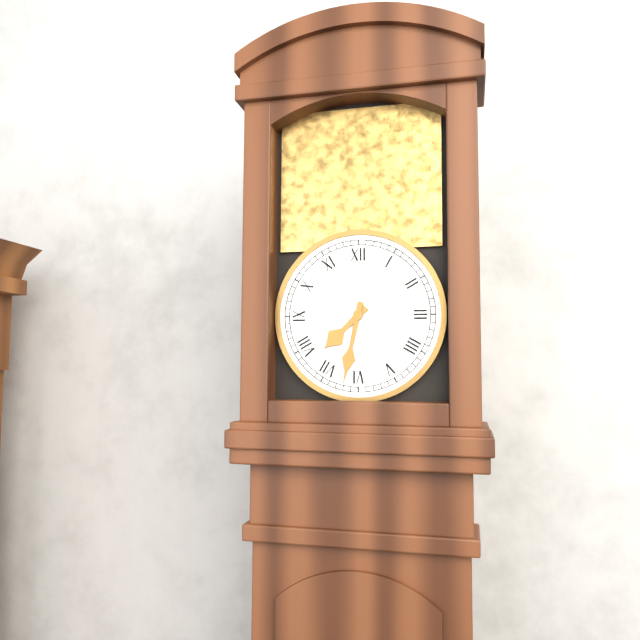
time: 7:32
